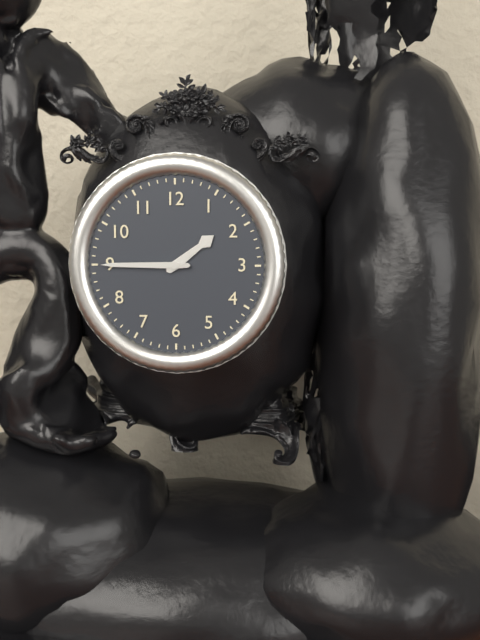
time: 1:45
